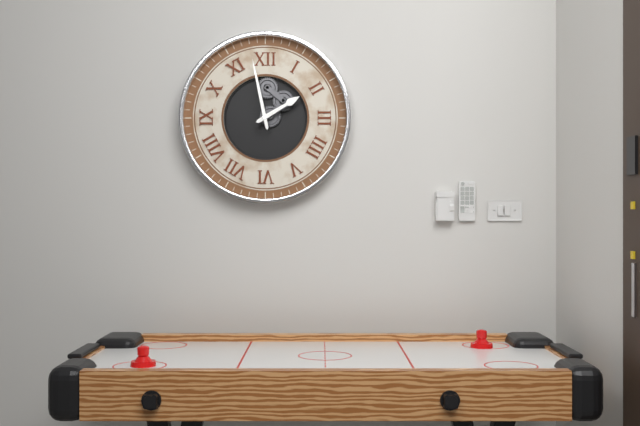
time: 1:58
